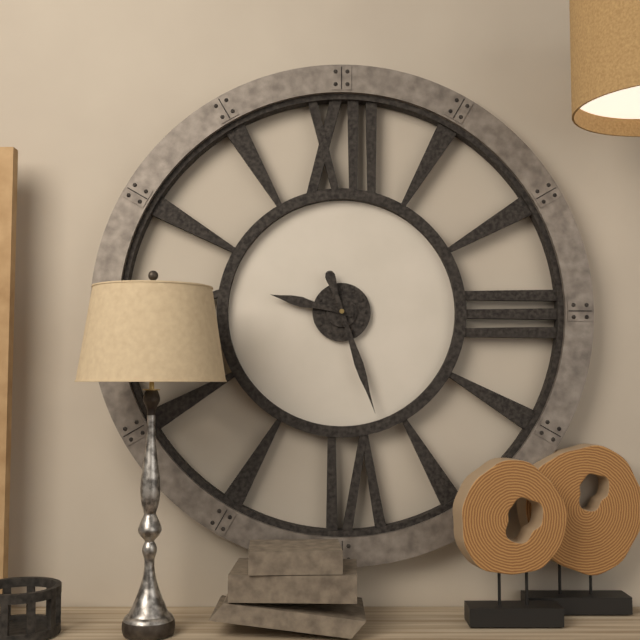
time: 9:27
